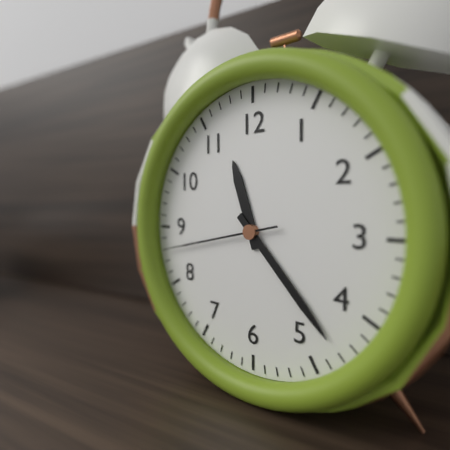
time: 11:23:43
